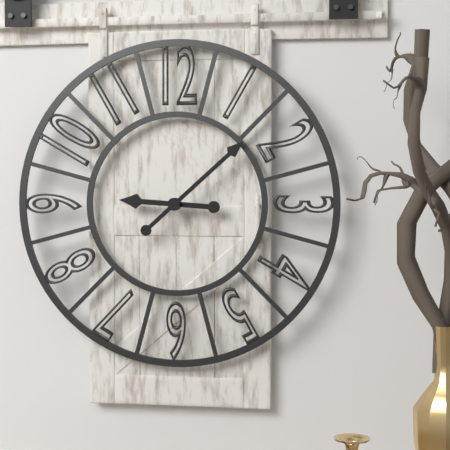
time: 9:08
